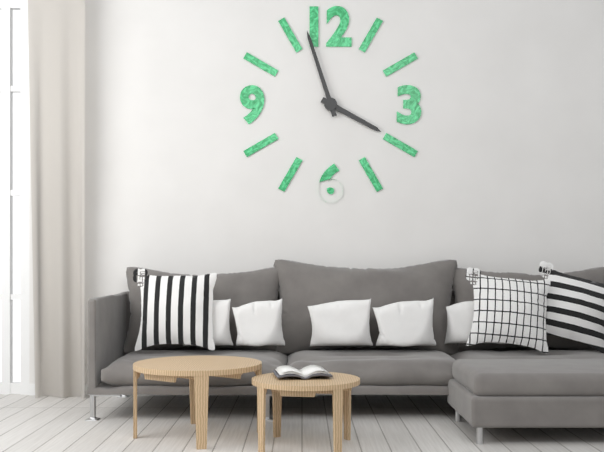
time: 3:57
